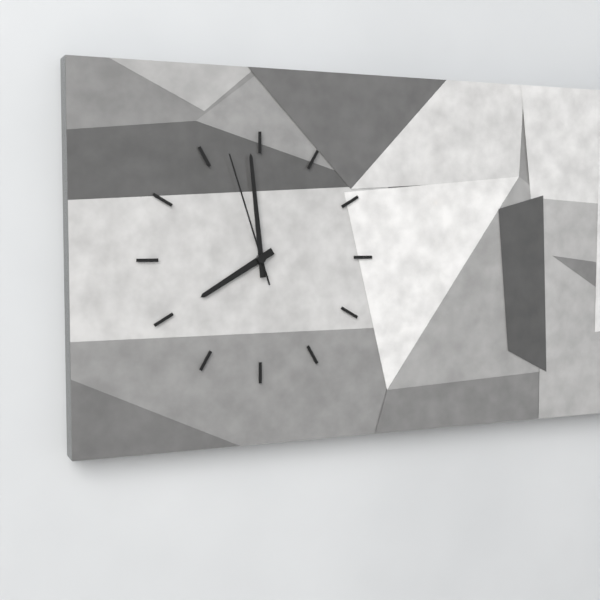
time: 7:59:57
